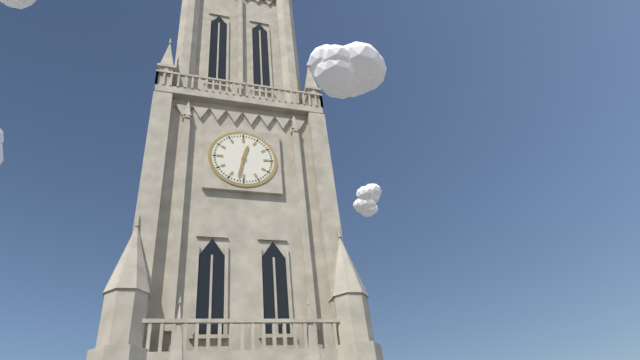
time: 12:32
